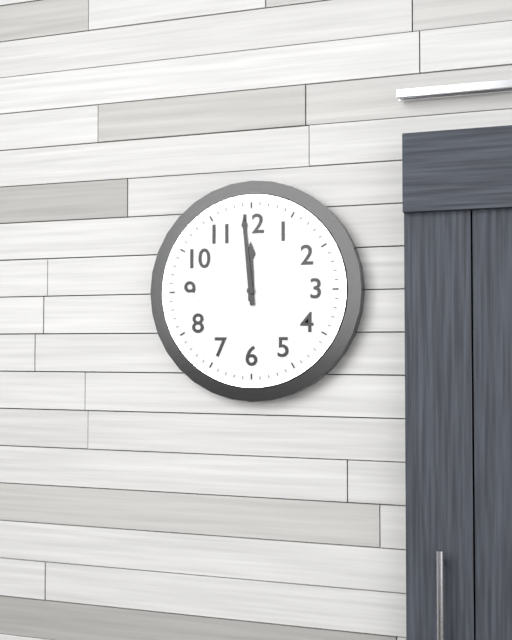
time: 11:59
